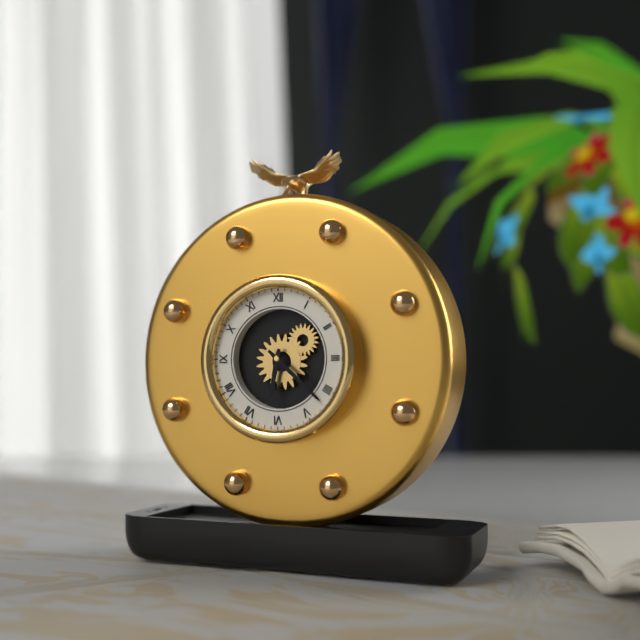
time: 6:22
